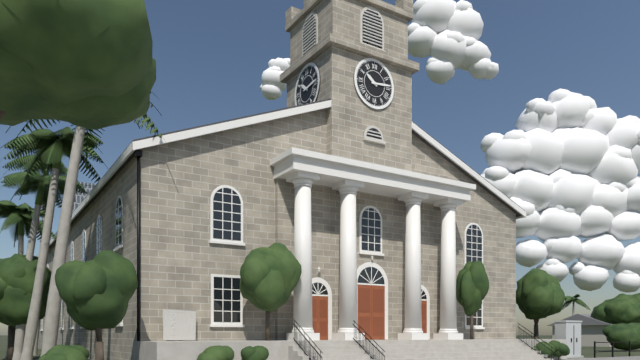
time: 10:14
